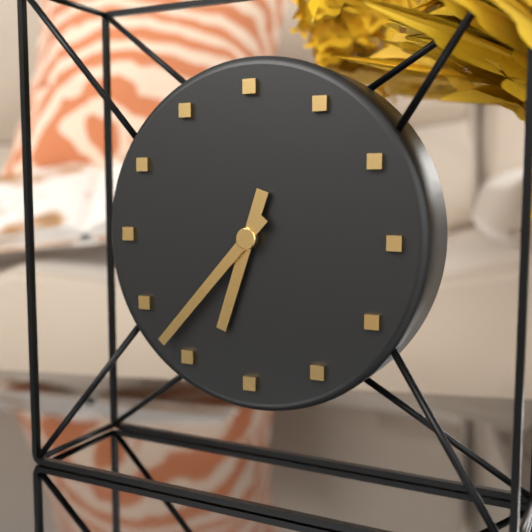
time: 6:37
